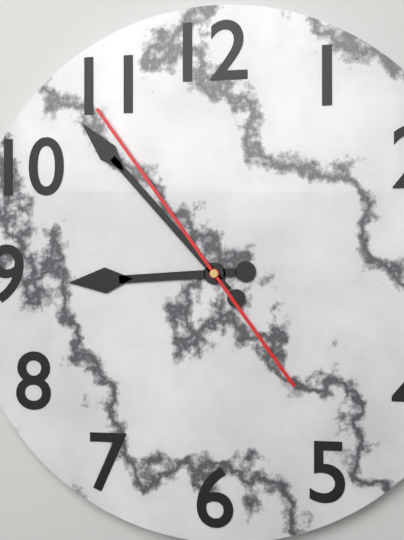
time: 8:53:54
